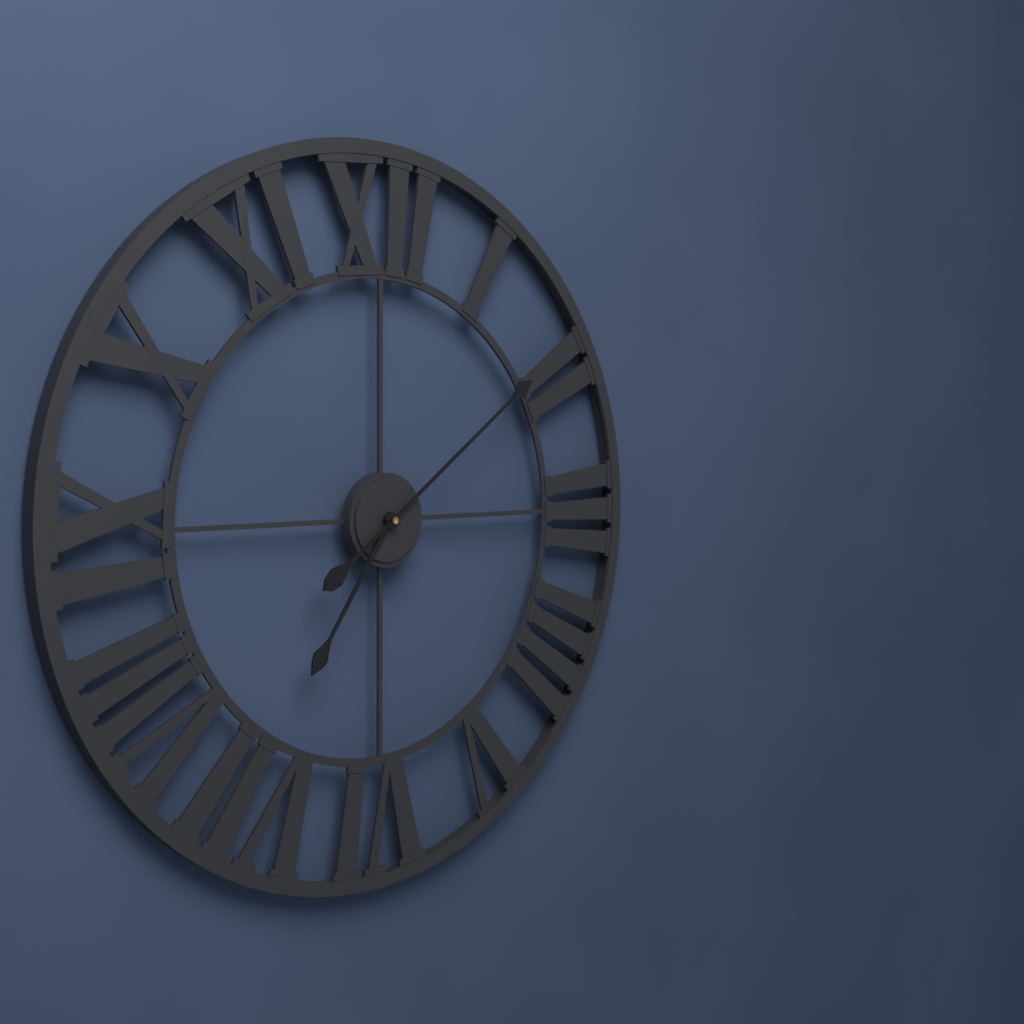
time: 7:09
